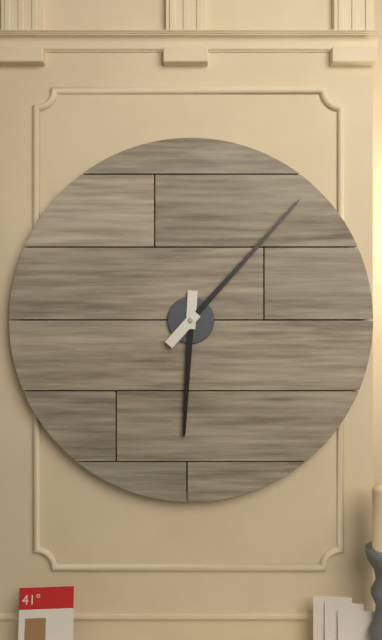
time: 6:07
